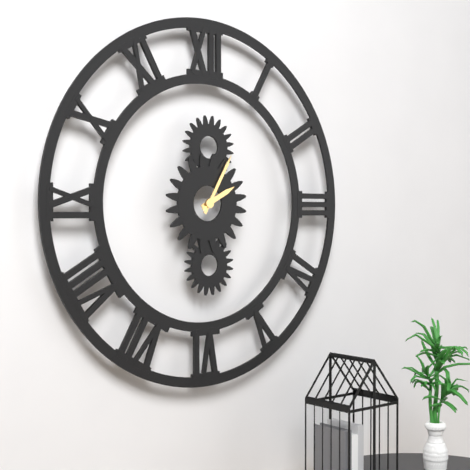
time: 2:05
